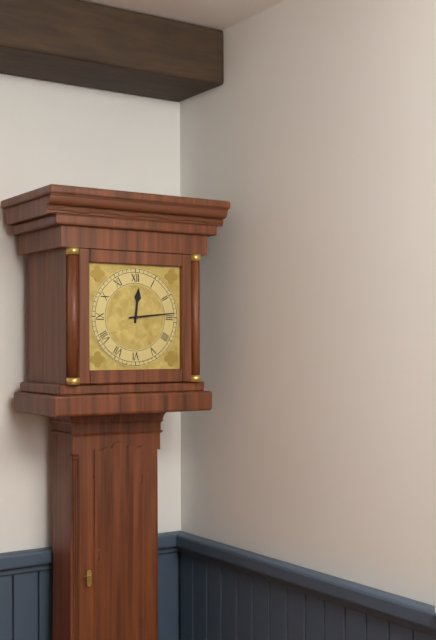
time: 12:14
